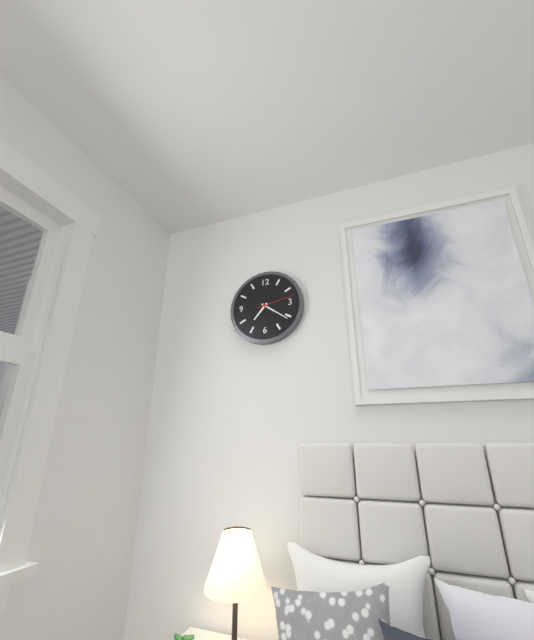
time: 7:21
